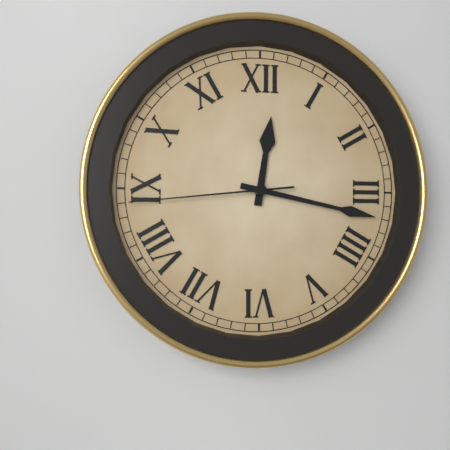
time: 12:17:44
